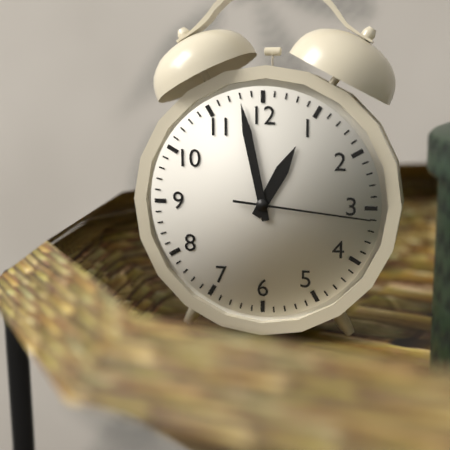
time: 12:58:16
